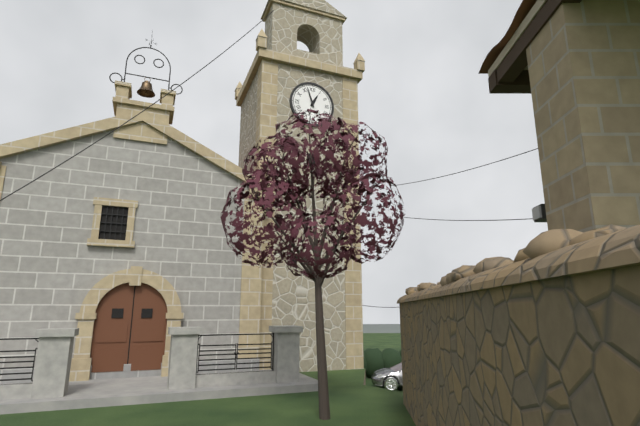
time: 12:57
